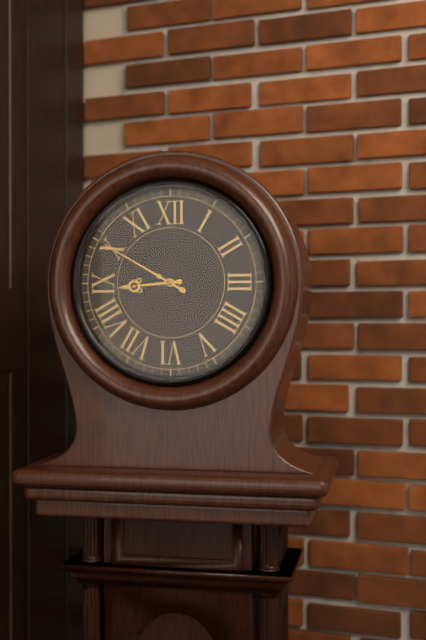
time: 8:50
